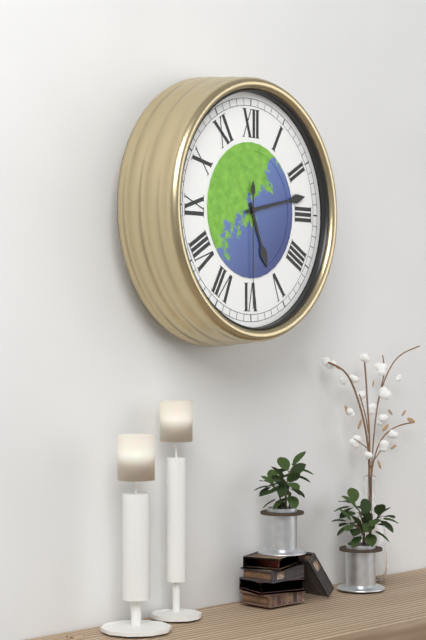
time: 5:13:30
